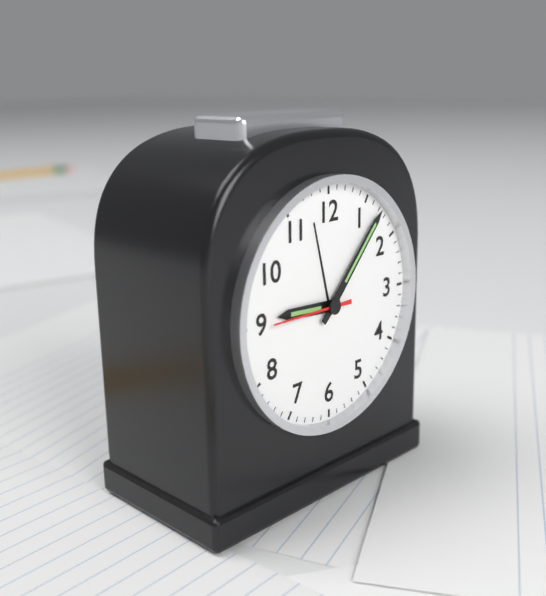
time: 9:07:45
